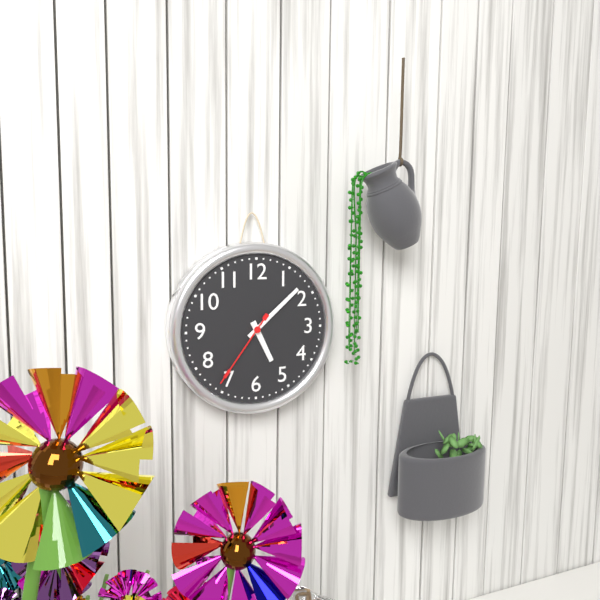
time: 5:08:36
